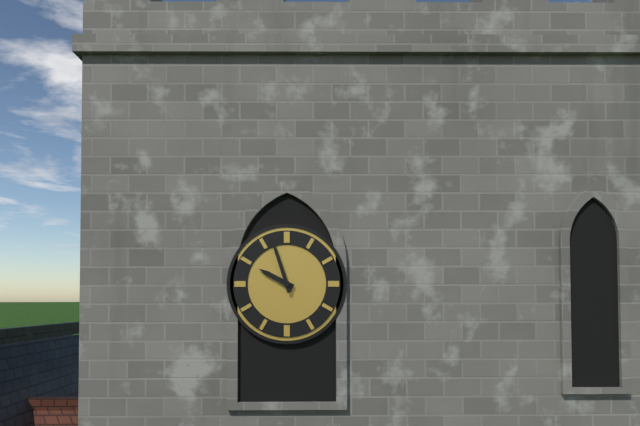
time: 9:57
